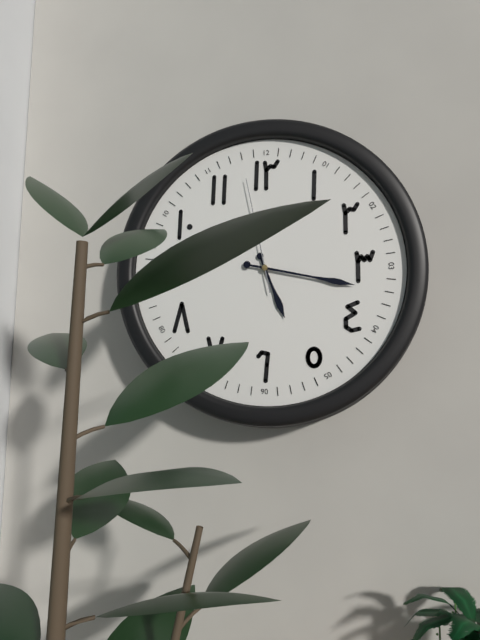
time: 5:17:58
